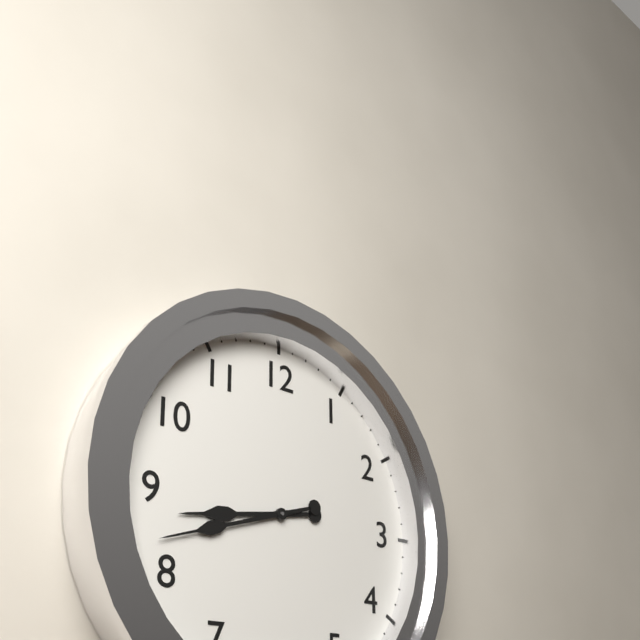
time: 8:42
